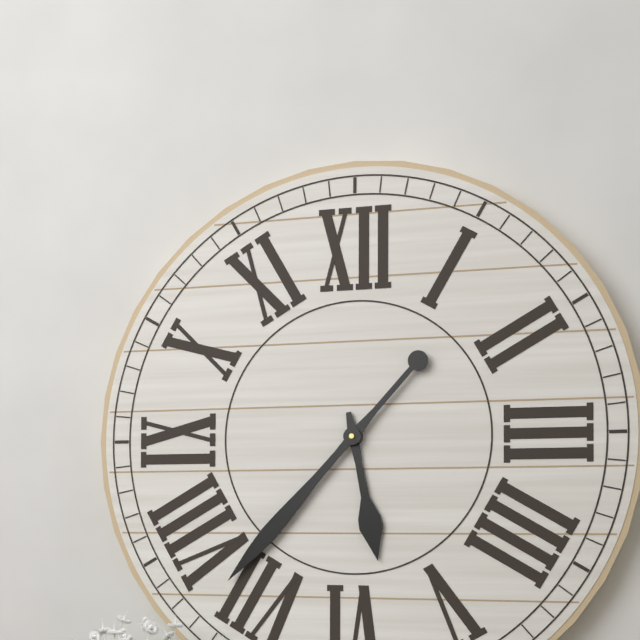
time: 5:37
